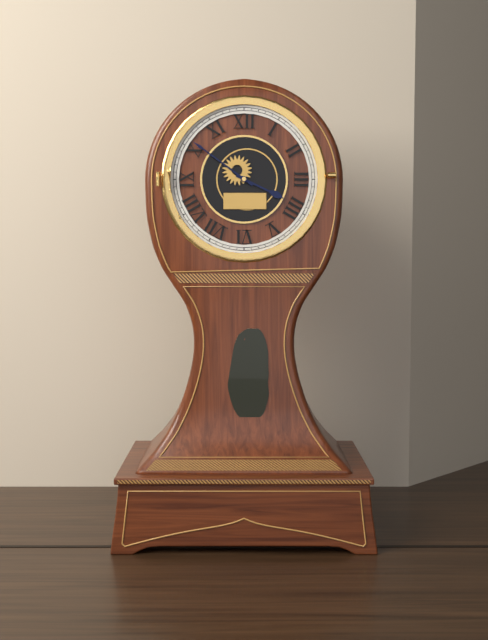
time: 3:51
